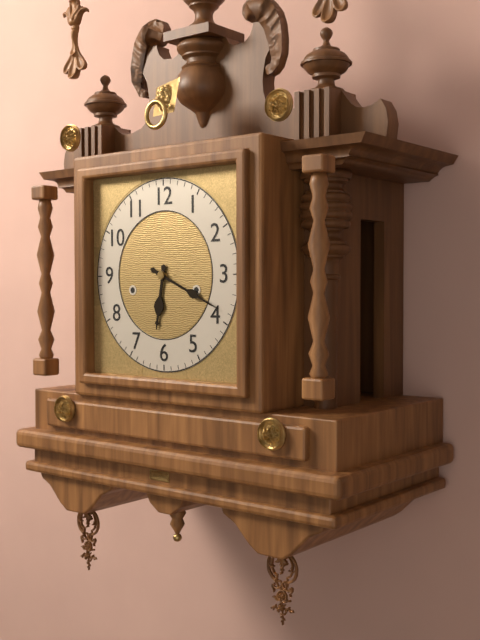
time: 6:19
